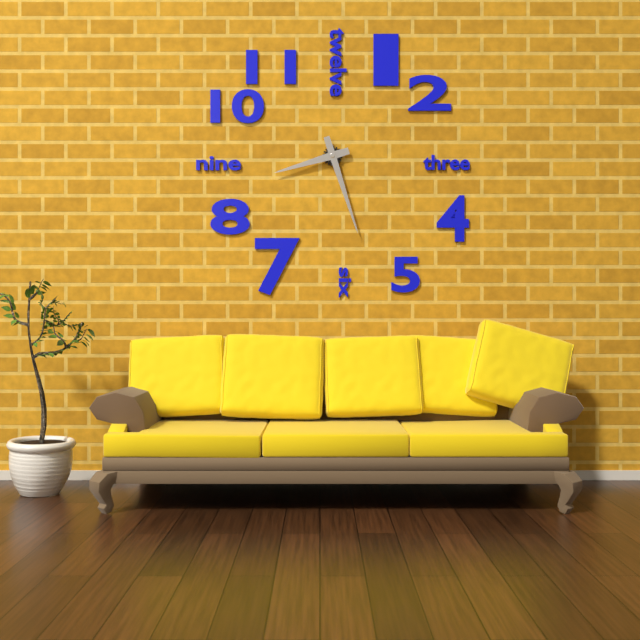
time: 8:27
